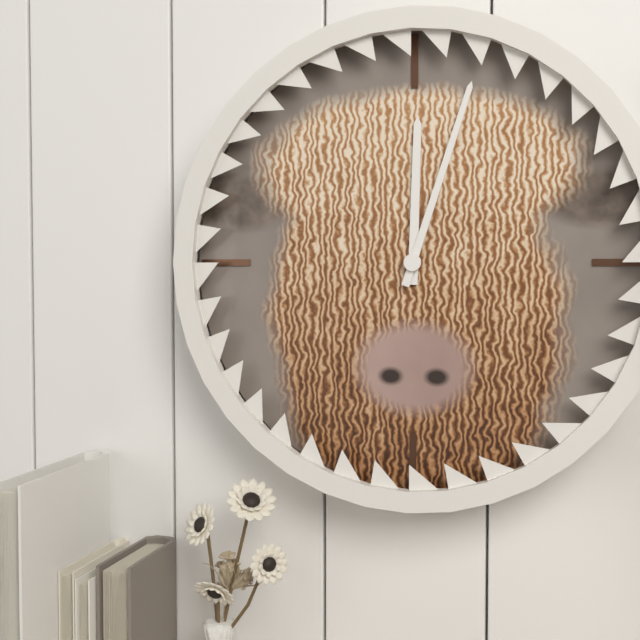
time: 12:03
